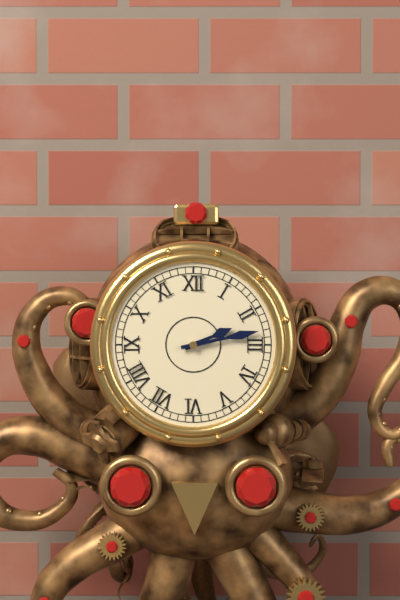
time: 2:13
